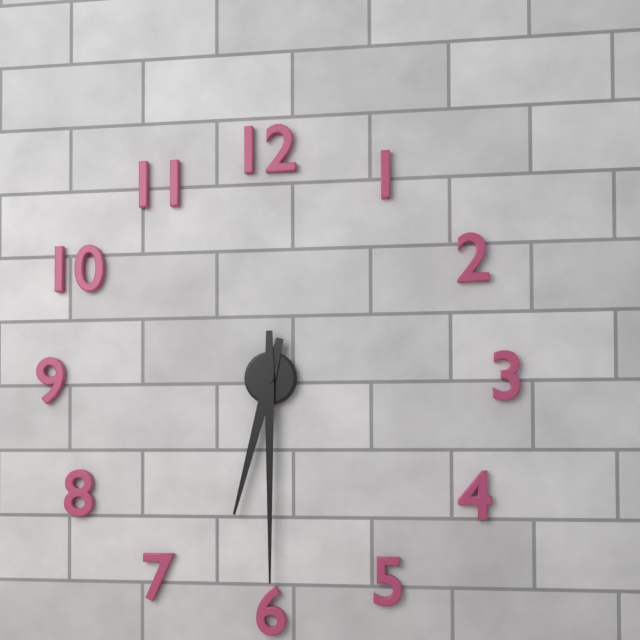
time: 6:30
